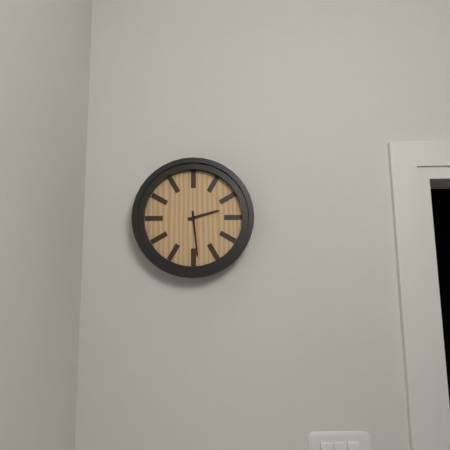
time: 2:29
